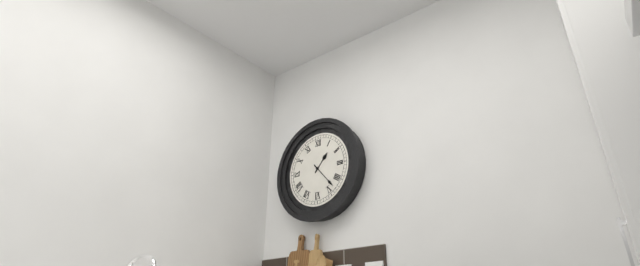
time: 1:23
